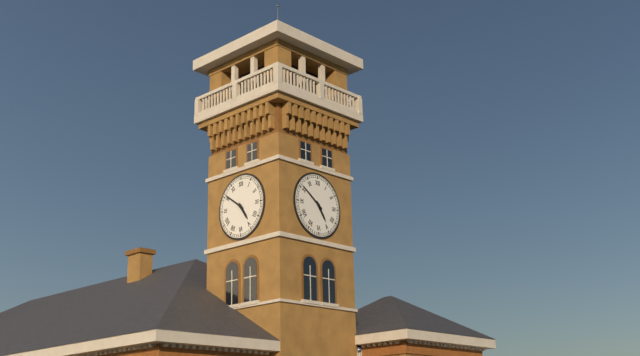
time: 4:51
